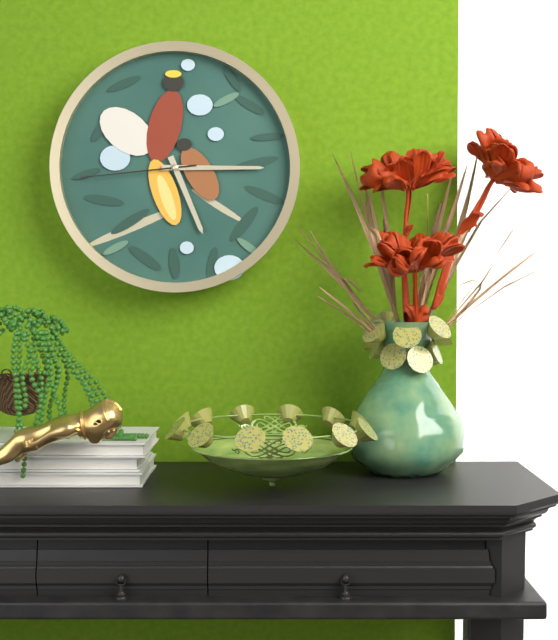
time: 5:15:44
